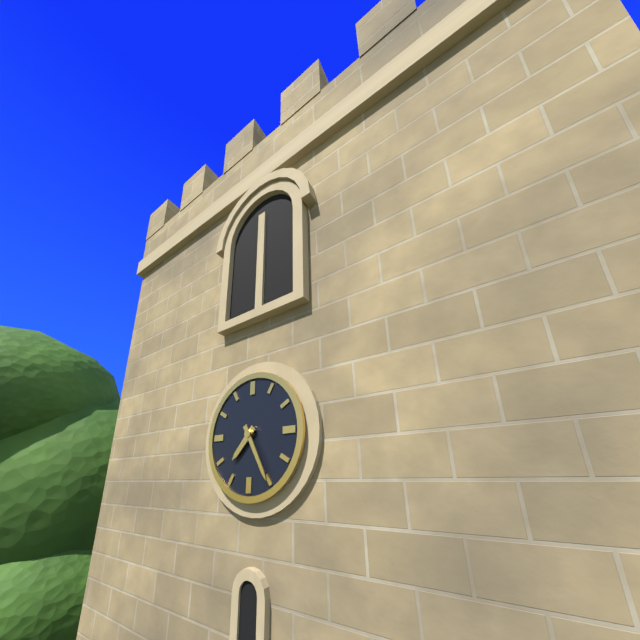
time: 7:25
